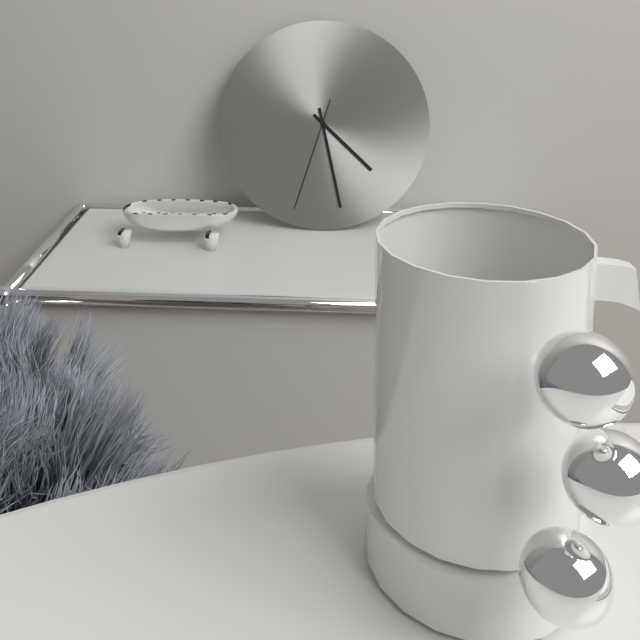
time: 4:28:33
